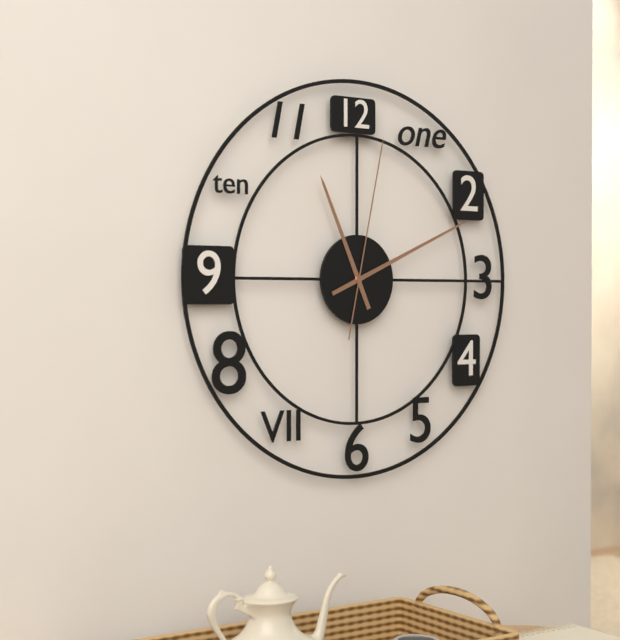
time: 11:11:02
